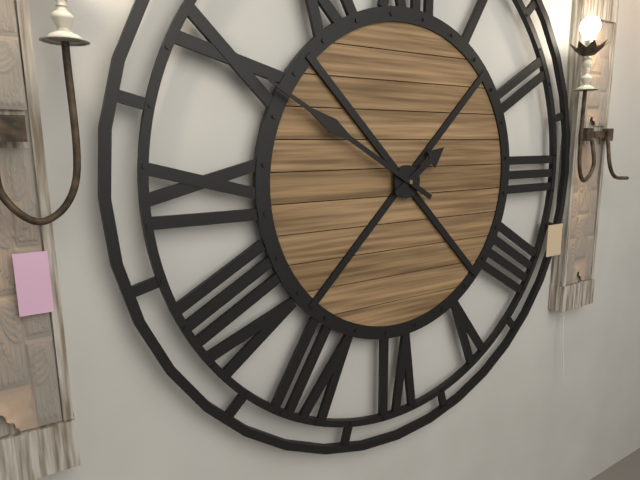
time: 1:50
